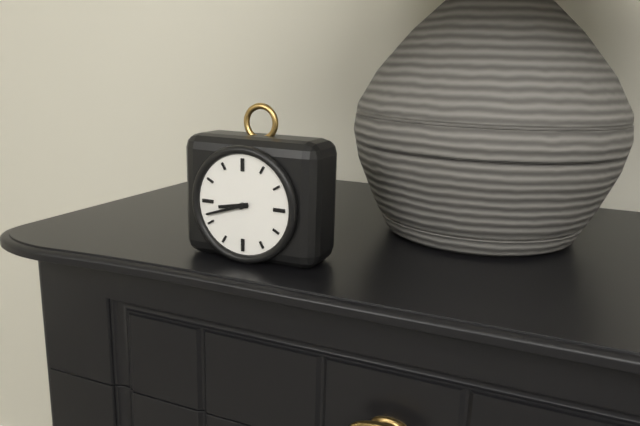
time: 8:42
